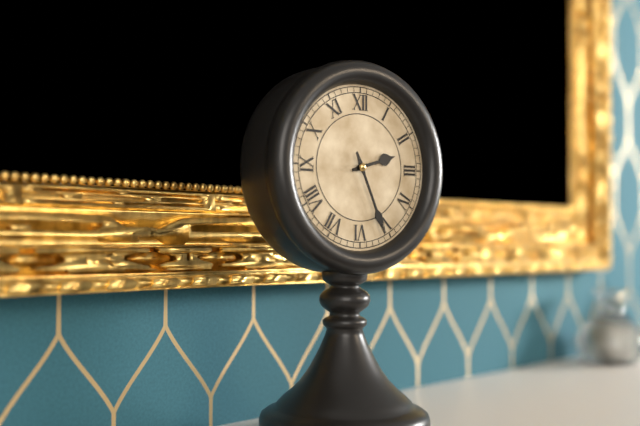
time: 2:26
